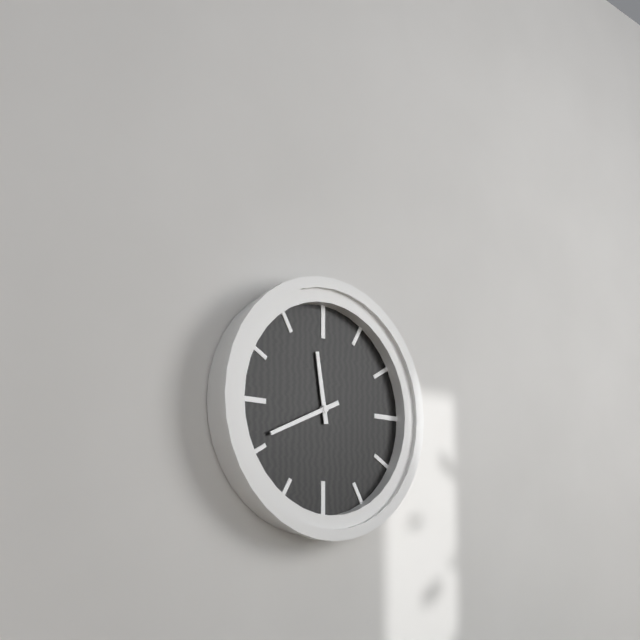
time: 11:41
